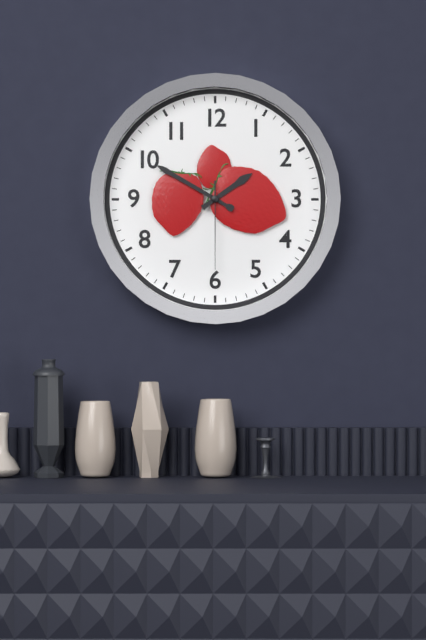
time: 1:50:30
